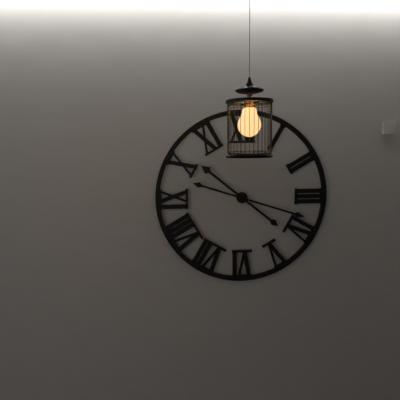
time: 10:18
